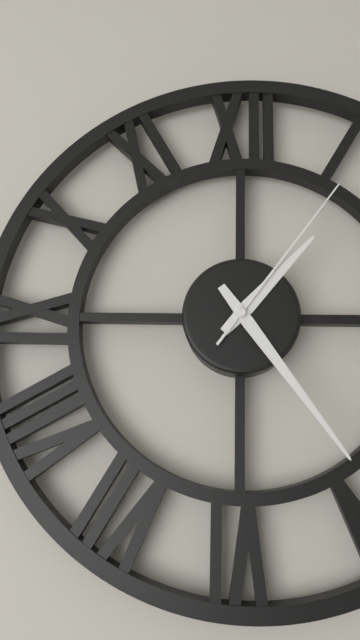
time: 1:24:06
